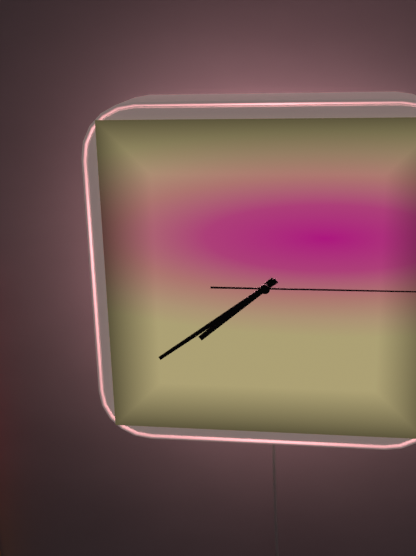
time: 7:39
